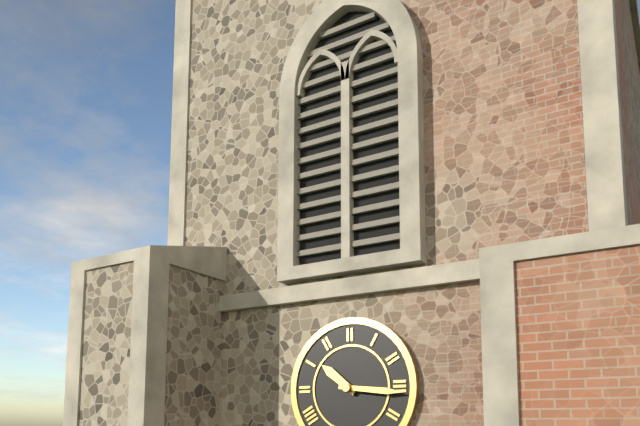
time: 10:16
